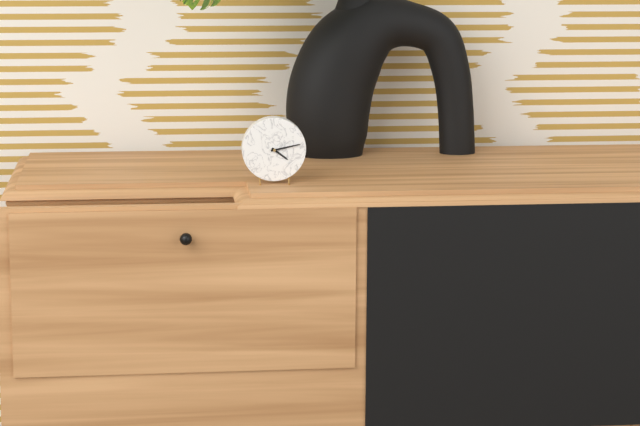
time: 4:13
